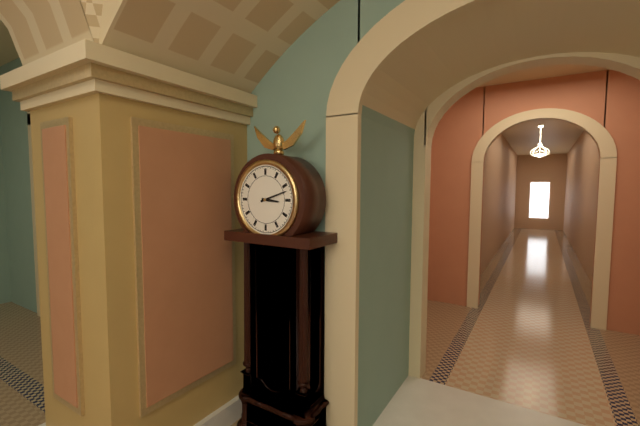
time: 3:12
